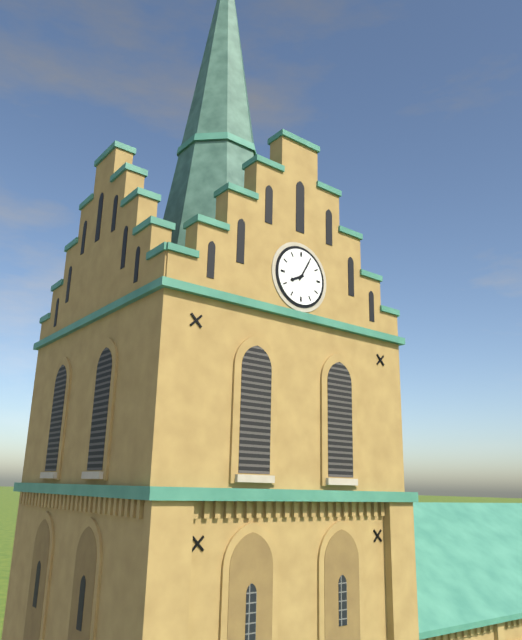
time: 8:05
